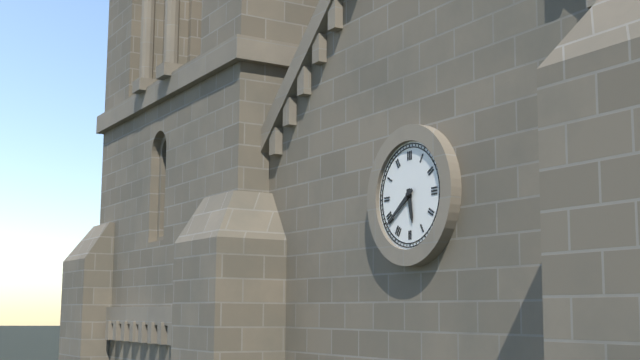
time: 5:39
